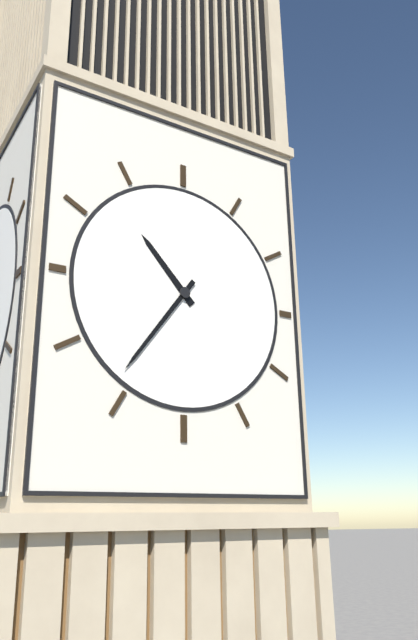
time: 10:36
